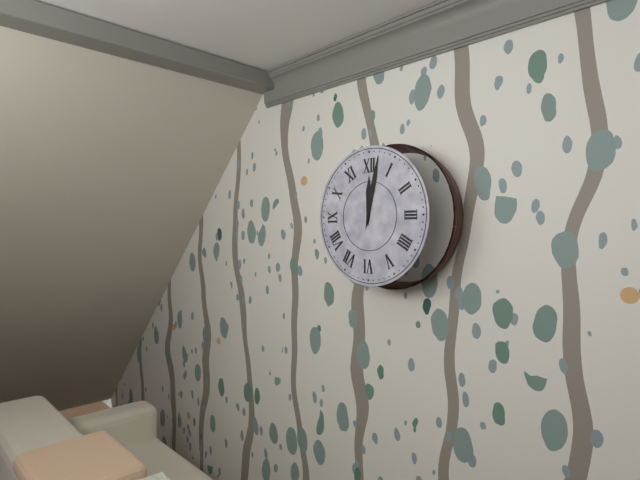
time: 12:02
